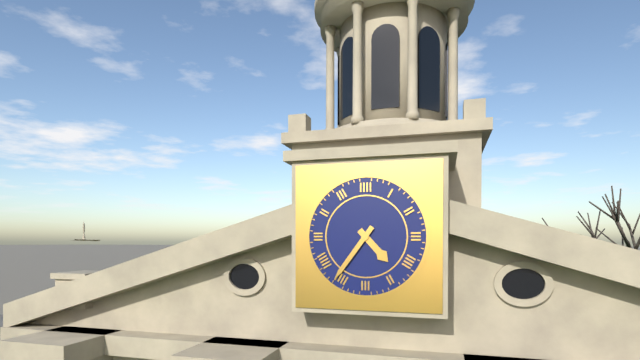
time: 4:36
